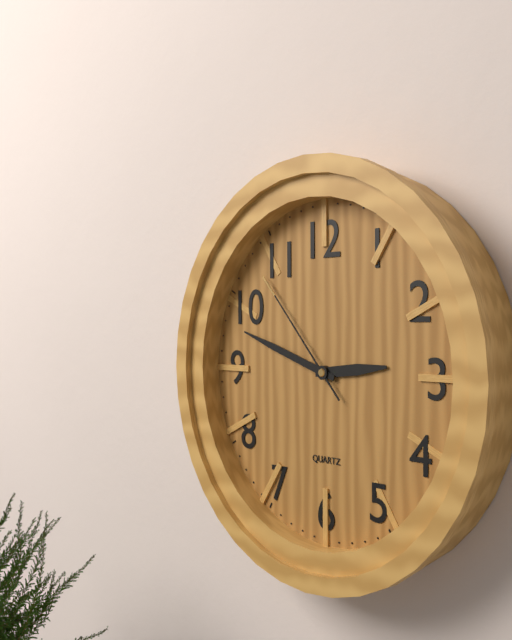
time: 2:48:53
